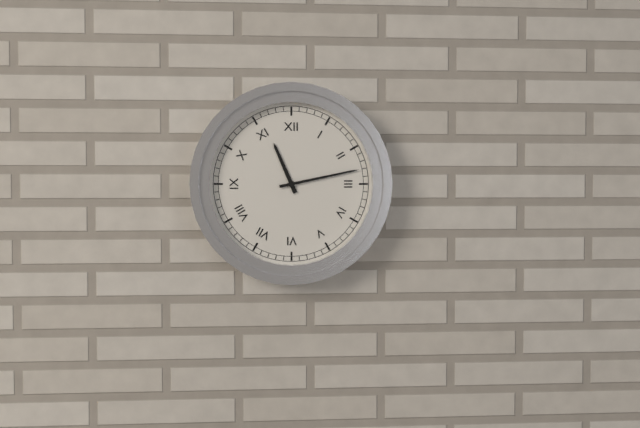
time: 11:13
